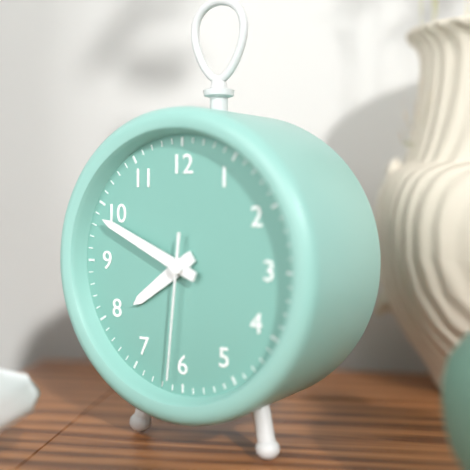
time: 7:49:31
